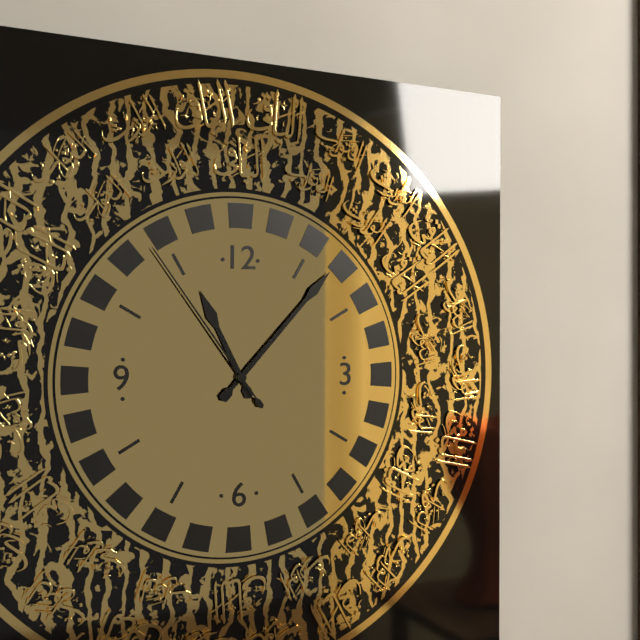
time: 11:07:54
